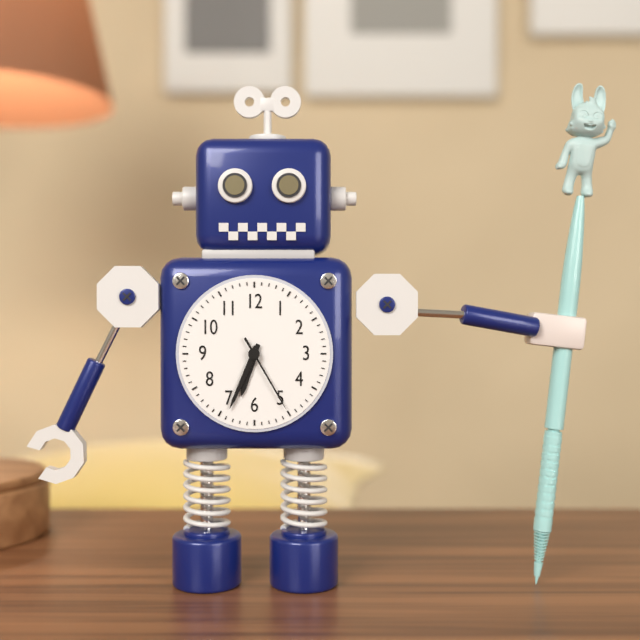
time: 6:34:25
